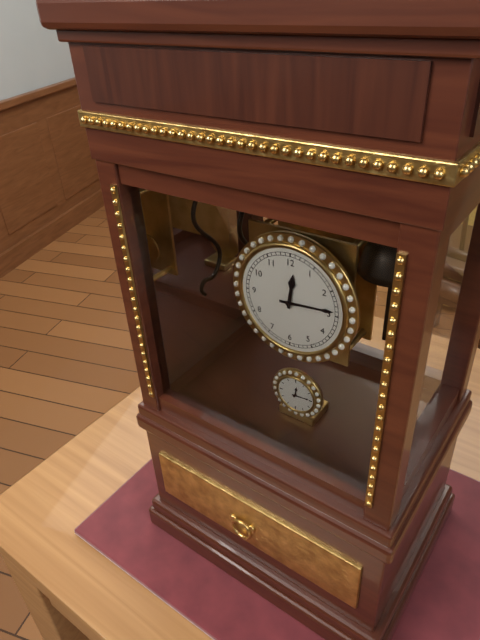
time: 12:14
